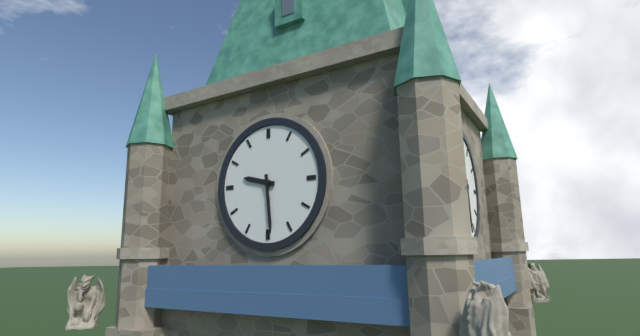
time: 9:29
